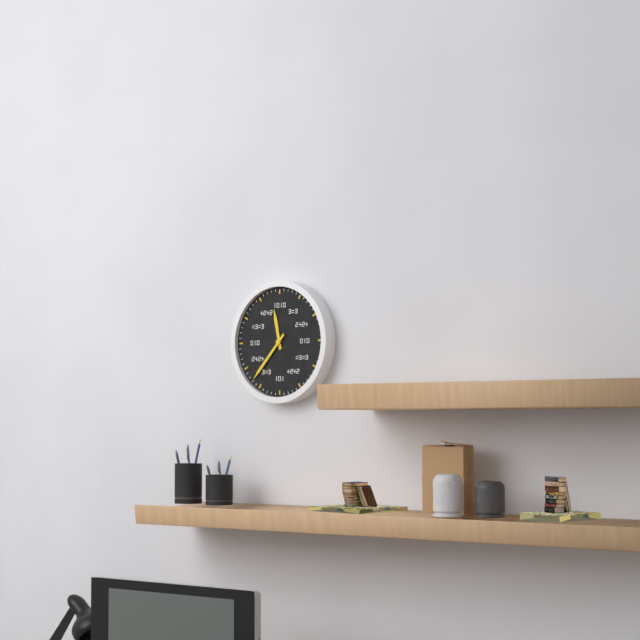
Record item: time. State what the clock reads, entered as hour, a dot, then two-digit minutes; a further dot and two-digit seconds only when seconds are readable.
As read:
11.37
